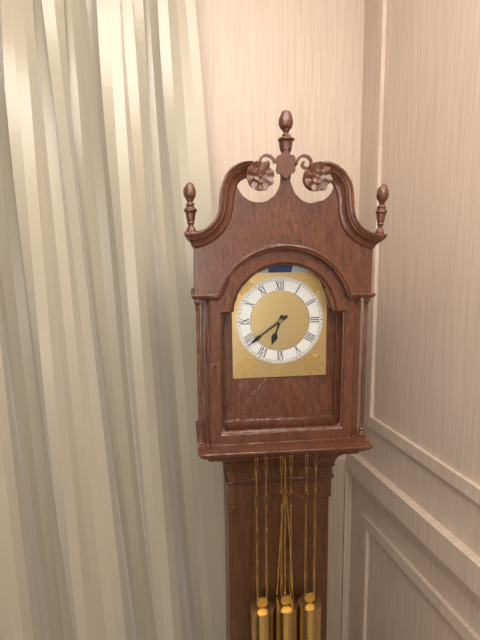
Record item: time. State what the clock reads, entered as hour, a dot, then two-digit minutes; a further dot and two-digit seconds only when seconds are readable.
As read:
6.39
